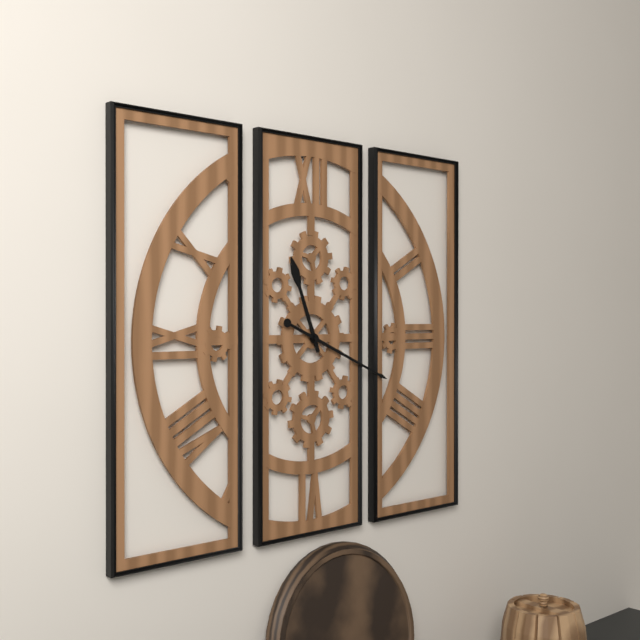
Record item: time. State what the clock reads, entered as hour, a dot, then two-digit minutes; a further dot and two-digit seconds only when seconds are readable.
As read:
11.19
